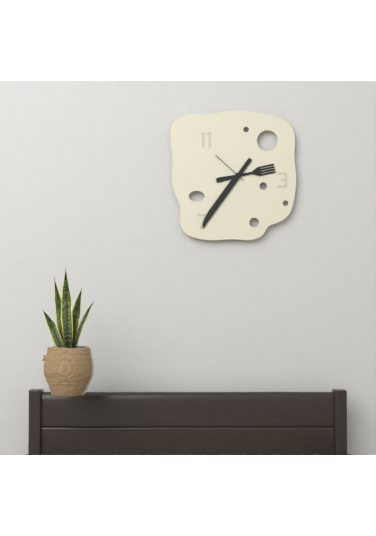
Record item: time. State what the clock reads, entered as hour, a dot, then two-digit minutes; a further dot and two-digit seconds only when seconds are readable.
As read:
2.36
